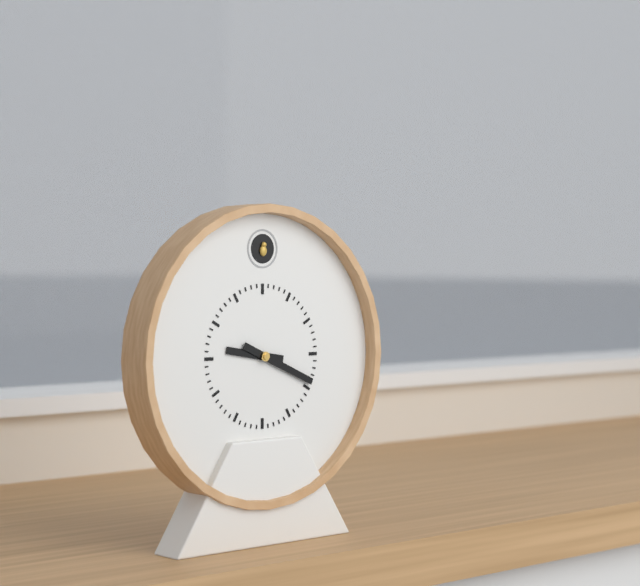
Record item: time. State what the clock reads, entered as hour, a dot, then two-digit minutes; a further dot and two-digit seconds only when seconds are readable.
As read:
9.19
